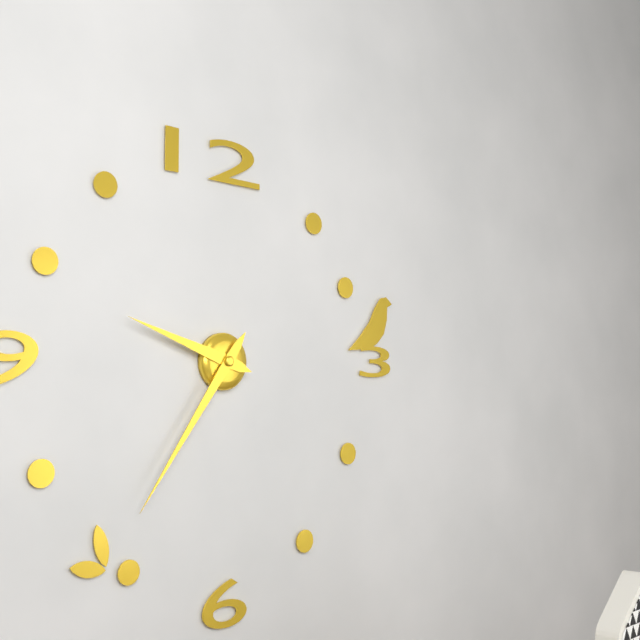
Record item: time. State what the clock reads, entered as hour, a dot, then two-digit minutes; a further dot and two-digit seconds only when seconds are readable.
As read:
9.36
